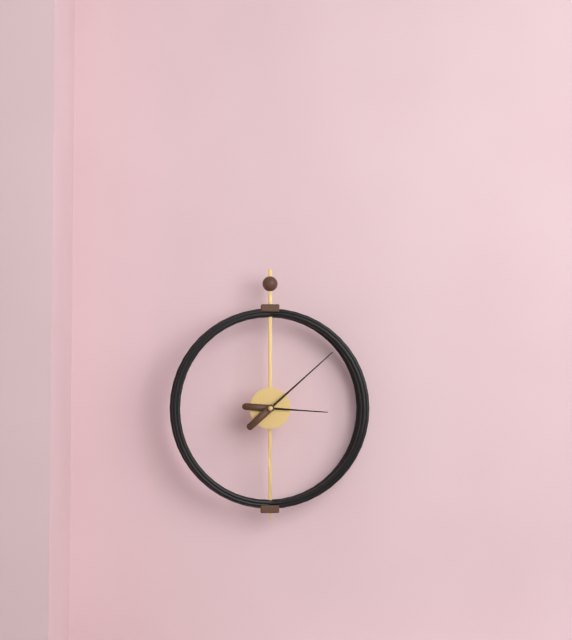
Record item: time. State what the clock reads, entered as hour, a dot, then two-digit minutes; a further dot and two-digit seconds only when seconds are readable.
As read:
3.08
